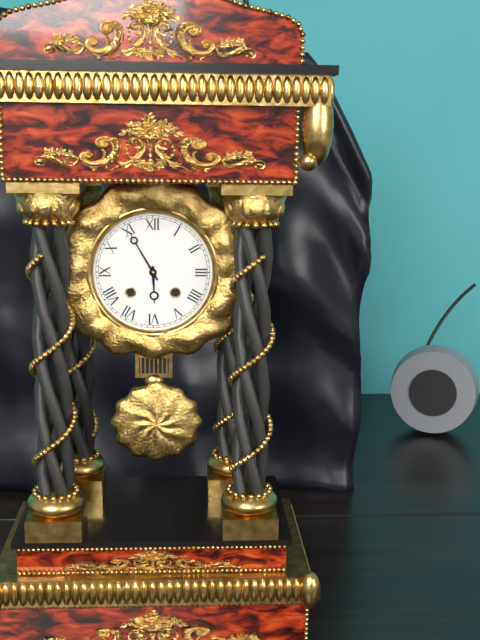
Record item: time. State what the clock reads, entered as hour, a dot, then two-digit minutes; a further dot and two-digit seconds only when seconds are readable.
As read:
5.55
